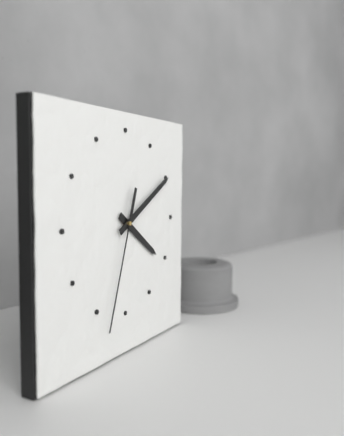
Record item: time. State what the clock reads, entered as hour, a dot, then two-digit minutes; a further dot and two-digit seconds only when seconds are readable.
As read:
4.10.33
